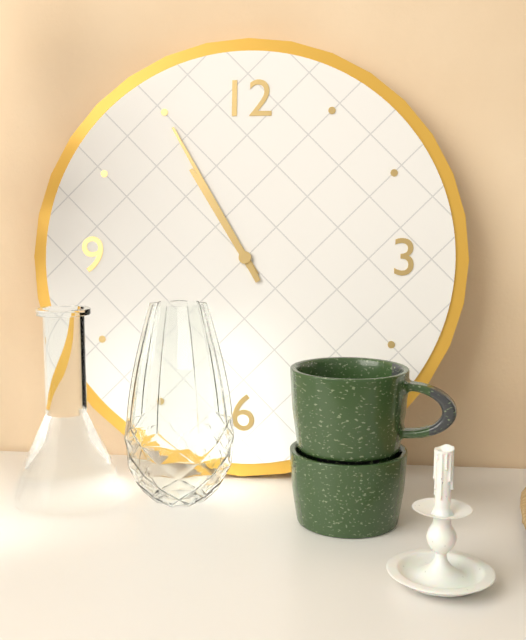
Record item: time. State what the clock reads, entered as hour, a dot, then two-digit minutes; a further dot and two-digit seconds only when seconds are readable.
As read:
10.55
